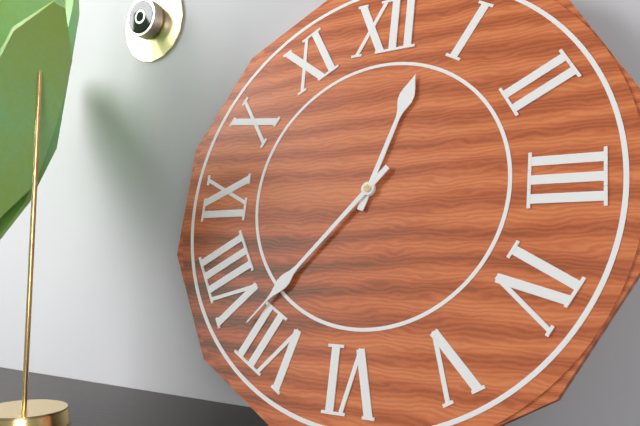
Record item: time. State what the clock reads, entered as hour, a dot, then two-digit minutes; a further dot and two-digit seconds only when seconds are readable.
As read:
12.37
